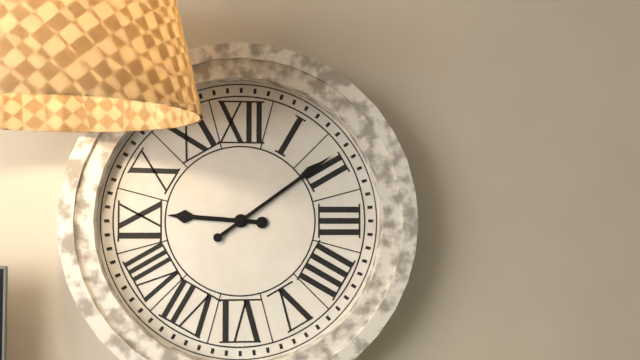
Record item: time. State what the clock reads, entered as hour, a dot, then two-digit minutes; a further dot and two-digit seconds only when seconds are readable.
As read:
9.09
